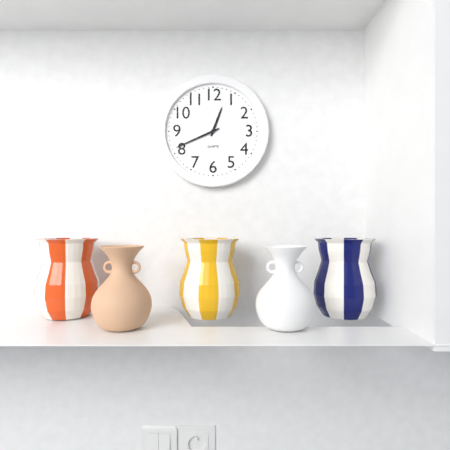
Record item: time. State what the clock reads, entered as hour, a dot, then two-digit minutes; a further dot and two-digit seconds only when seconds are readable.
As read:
12.41
